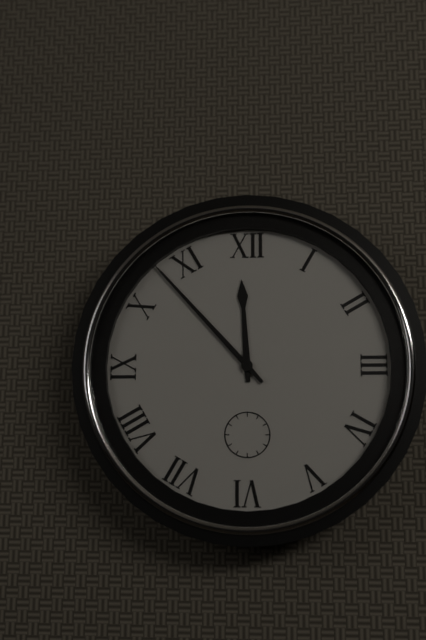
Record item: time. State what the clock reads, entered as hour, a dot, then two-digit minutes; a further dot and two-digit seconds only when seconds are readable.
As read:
11.53
